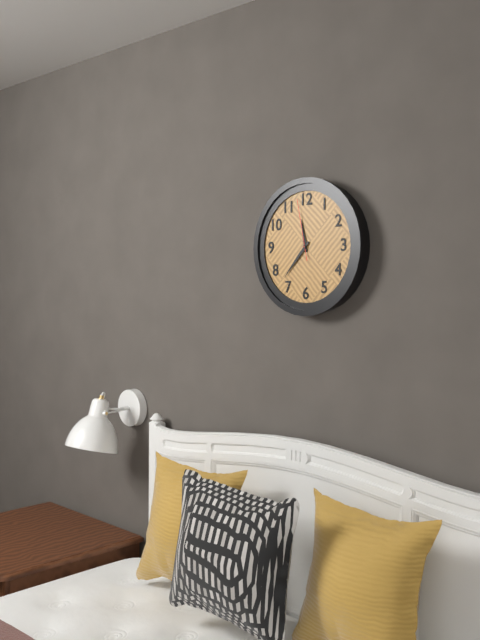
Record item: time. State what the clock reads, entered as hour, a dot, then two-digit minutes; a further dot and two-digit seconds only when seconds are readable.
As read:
11.37.58
